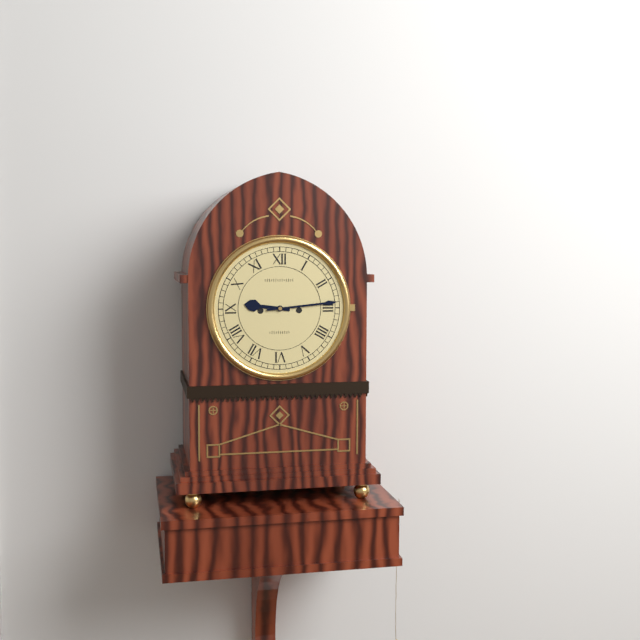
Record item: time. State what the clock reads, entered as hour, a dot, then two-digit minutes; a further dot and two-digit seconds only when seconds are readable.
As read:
9.14
